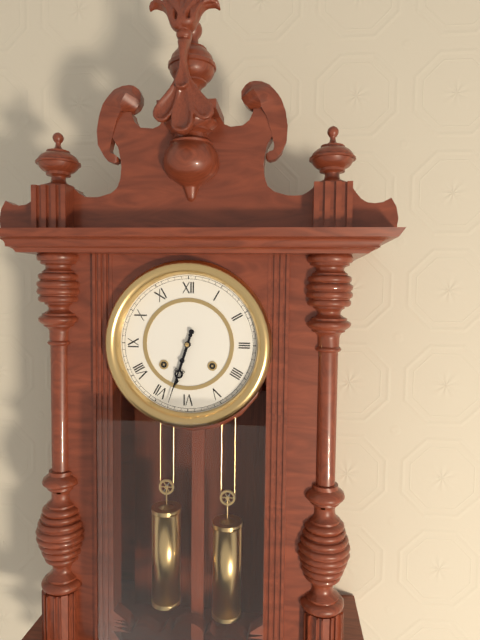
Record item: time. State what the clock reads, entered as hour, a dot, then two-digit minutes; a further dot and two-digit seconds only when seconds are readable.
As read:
6.33
